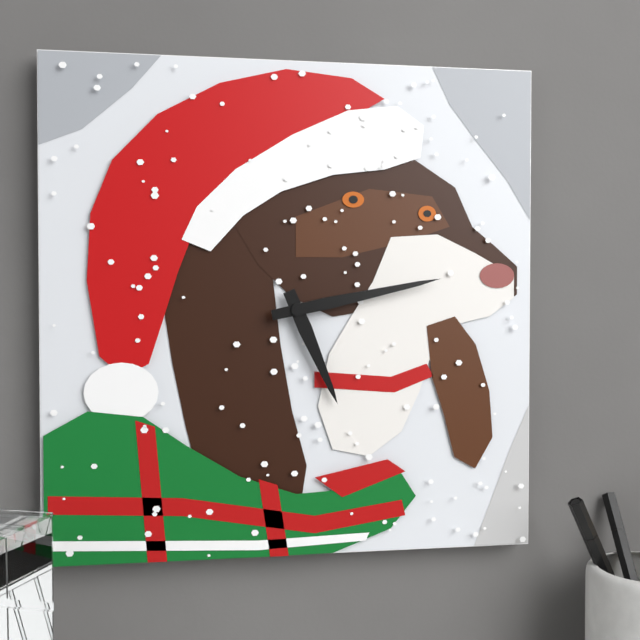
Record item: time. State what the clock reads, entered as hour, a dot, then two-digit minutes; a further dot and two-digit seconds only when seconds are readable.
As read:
5.13
